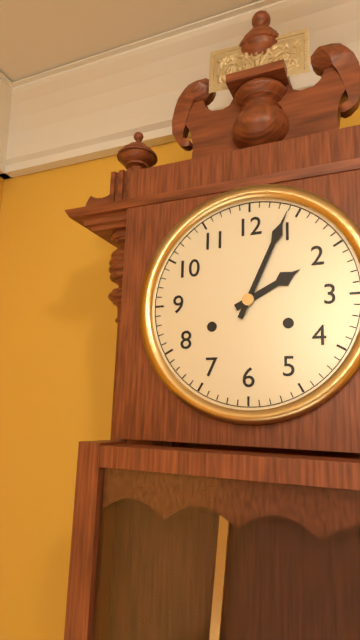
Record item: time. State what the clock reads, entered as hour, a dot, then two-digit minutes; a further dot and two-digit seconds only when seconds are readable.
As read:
2.04
